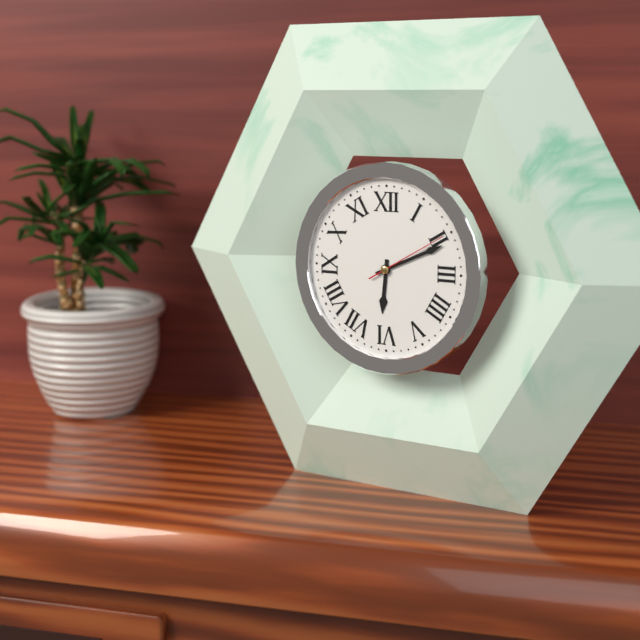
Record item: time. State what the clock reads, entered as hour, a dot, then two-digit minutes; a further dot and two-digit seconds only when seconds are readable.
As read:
6.11.10
